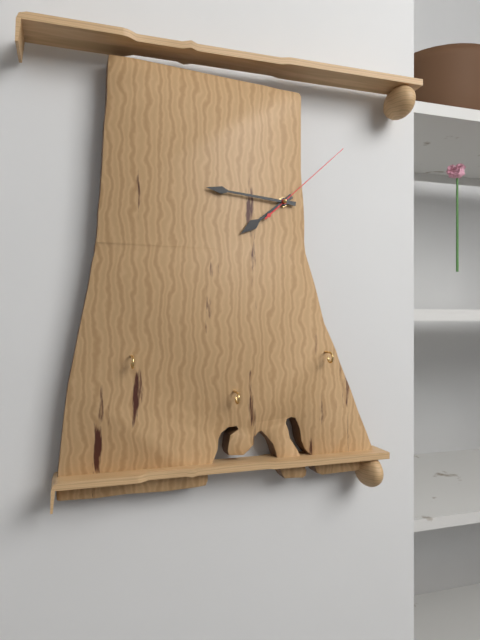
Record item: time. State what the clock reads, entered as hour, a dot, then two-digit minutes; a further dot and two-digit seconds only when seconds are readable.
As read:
7.46.08
